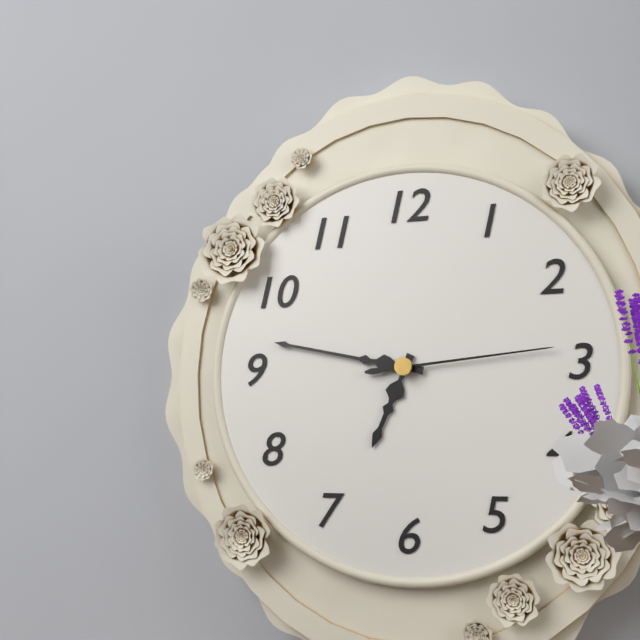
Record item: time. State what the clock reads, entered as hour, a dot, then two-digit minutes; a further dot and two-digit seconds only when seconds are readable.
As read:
6.47.14
